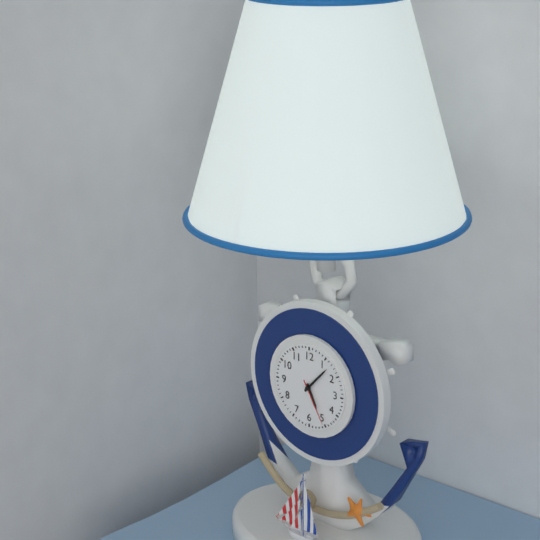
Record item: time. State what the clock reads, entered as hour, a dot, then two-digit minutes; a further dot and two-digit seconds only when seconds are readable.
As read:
5.07
